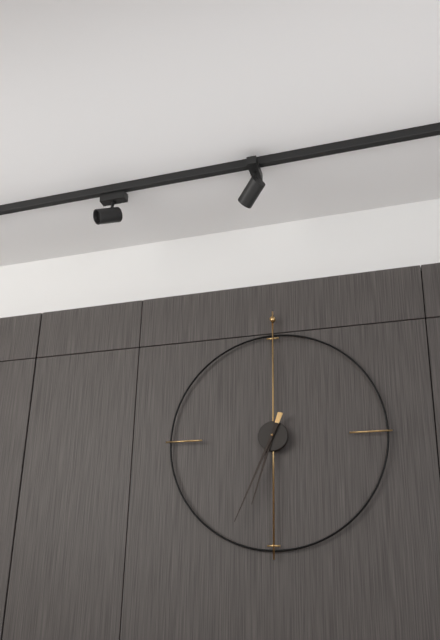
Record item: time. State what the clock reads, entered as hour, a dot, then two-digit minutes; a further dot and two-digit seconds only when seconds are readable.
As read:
6.34
